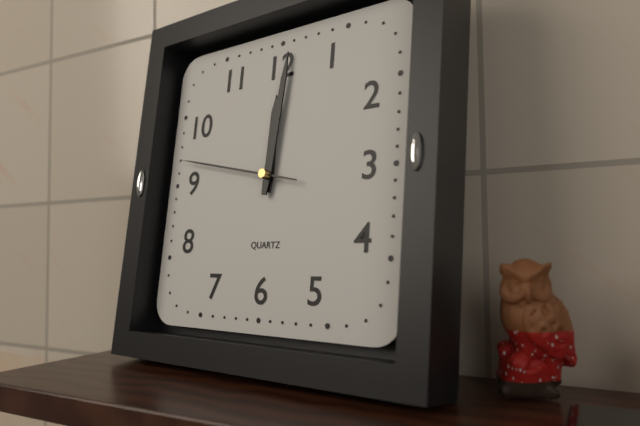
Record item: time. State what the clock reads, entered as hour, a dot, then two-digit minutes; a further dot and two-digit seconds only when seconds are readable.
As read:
12.01.47
